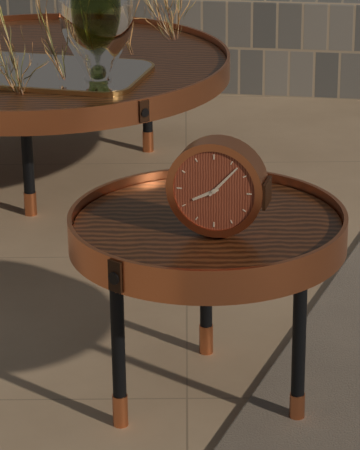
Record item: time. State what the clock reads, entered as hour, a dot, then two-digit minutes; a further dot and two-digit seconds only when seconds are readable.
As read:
8.07
